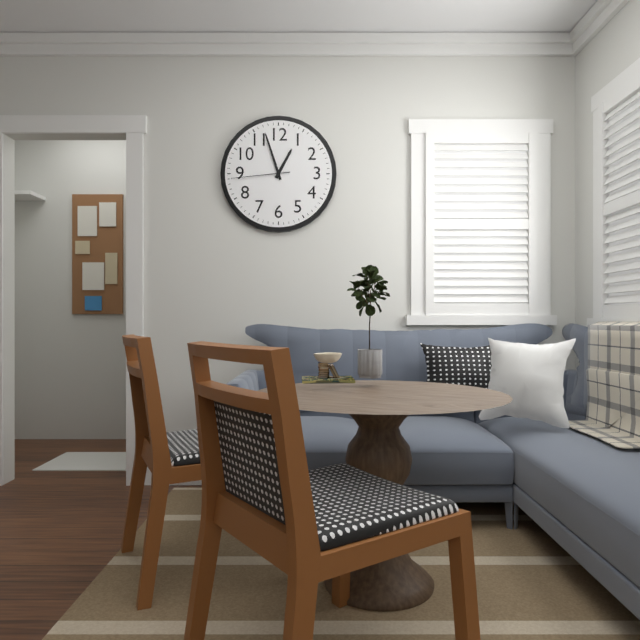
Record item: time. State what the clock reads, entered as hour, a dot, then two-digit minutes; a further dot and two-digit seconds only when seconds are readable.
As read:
12.57.44
